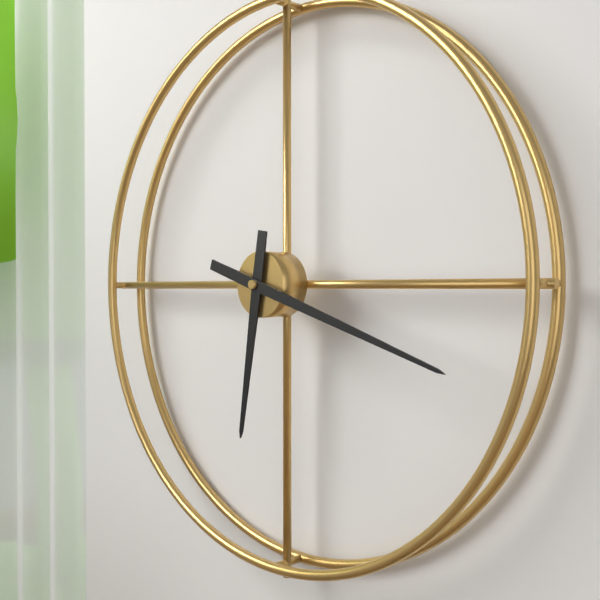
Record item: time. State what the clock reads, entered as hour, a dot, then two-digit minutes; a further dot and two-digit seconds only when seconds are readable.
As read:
6.18
